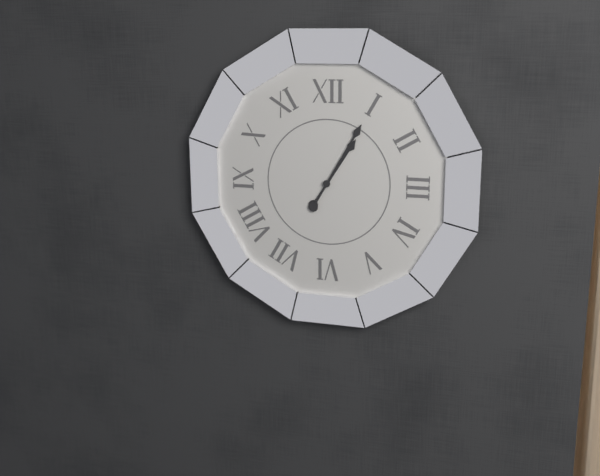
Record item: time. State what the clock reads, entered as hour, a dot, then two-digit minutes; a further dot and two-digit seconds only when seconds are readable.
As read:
1.05
